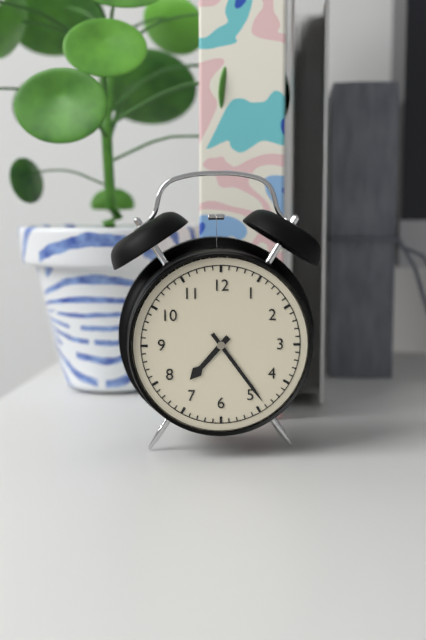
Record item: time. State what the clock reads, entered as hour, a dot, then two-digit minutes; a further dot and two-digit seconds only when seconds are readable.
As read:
7.24
